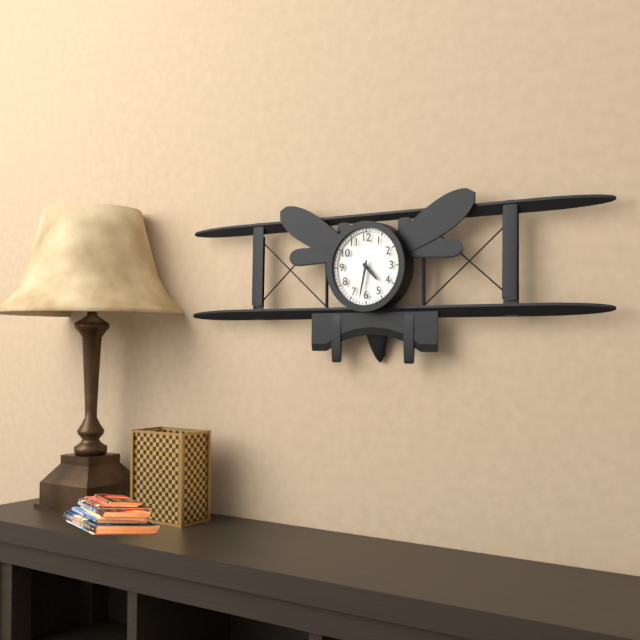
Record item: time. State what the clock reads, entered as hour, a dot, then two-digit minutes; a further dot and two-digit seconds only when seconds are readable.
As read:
4.32
